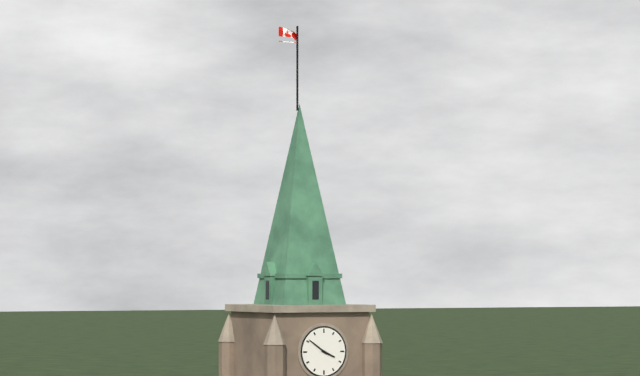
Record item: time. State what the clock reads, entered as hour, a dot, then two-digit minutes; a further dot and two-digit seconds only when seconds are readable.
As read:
3.51
